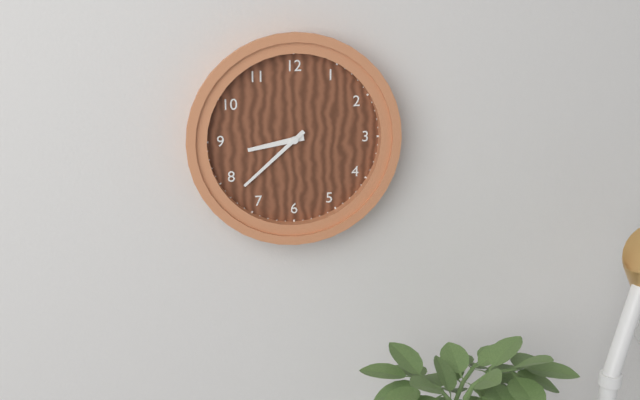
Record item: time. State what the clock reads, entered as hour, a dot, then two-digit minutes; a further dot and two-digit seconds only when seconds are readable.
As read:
8.38
